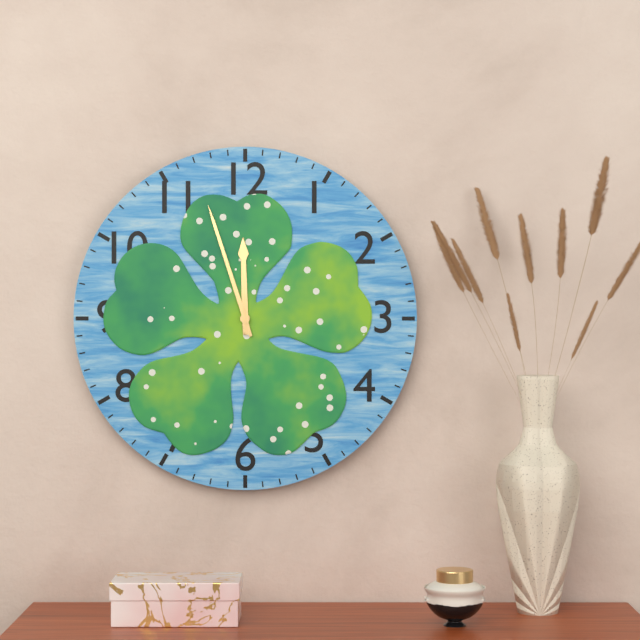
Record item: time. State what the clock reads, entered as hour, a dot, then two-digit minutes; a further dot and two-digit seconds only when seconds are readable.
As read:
11.57
